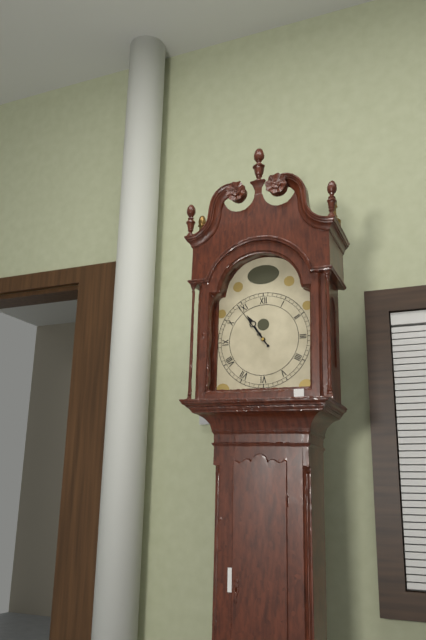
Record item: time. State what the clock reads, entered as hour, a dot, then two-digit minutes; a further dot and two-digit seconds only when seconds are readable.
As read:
10.54
